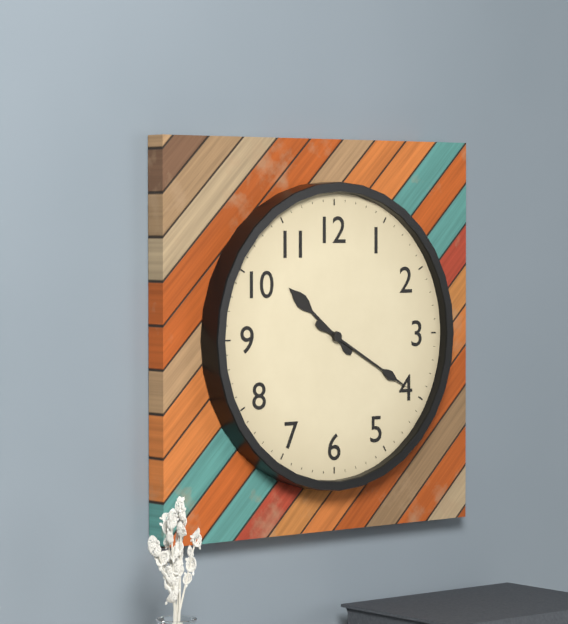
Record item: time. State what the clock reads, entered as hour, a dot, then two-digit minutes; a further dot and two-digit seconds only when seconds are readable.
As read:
10.20
